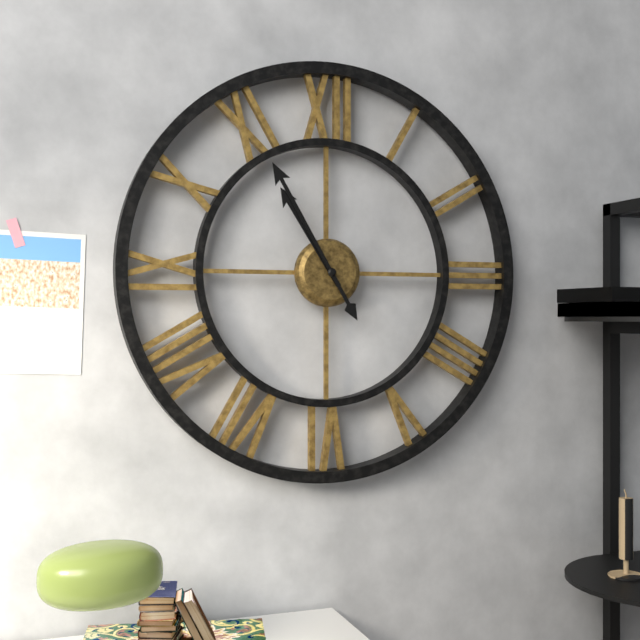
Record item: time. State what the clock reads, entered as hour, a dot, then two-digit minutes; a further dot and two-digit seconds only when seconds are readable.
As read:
10.55
